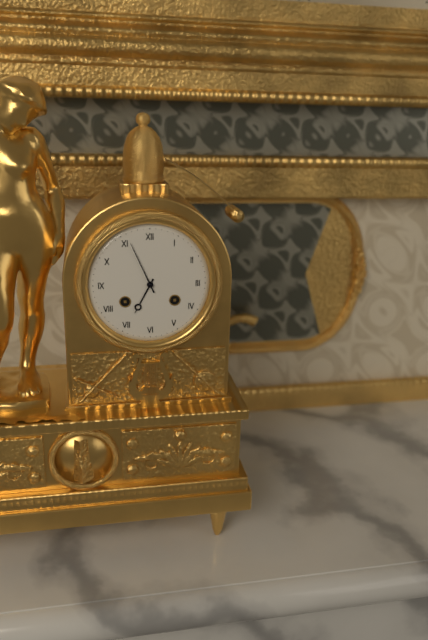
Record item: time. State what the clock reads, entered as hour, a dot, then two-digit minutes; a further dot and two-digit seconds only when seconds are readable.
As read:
6.56
